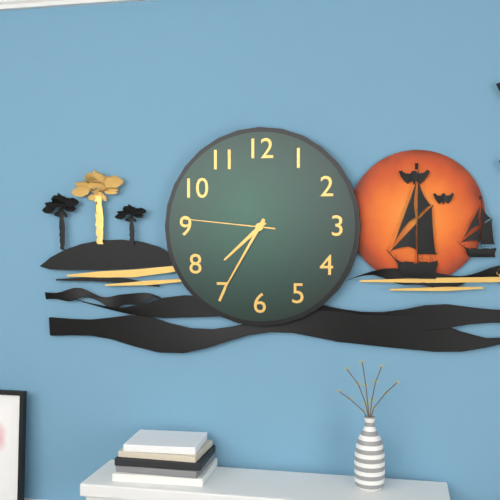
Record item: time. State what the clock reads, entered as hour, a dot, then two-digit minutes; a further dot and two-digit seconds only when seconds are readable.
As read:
7.35.46
